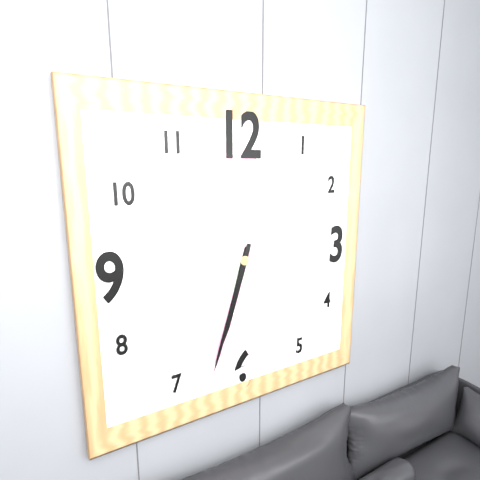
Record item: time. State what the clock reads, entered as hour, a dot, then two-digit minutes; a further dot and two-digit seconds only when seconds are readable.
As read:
6.33
